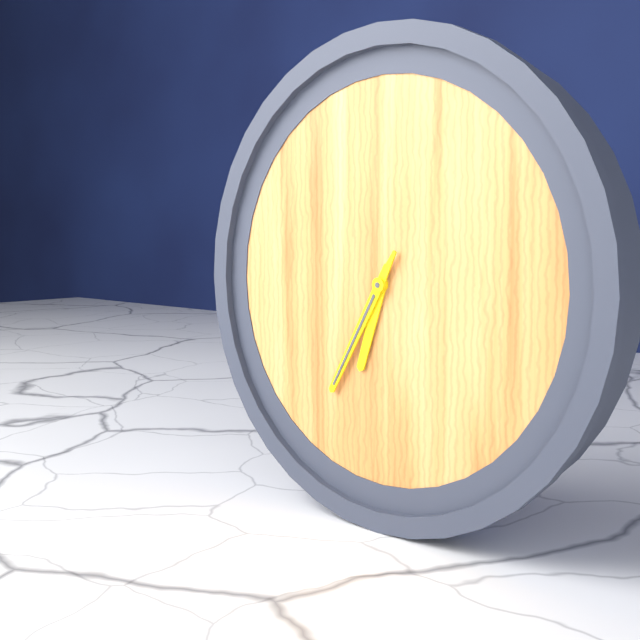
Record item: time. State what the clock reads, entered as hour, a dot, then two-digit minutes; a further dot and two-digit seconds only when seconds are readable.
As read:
6.35
